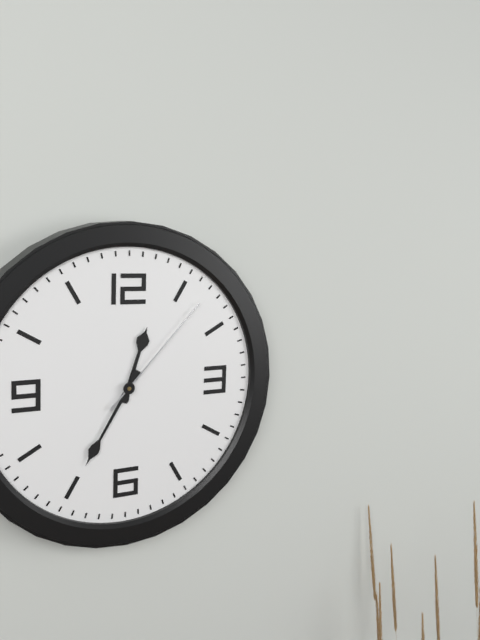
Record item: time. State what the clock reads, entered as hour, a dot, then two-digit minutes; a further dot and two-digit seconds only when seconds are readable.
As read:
12.35.07
